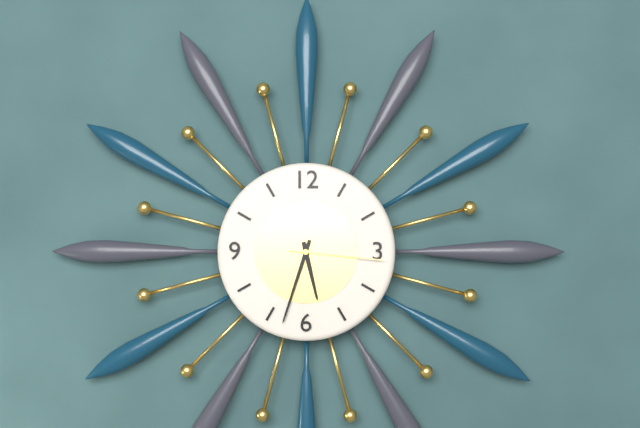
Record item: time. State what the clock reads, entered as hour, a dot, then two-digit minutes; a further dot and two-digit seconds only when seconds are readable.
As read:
5.33.16
